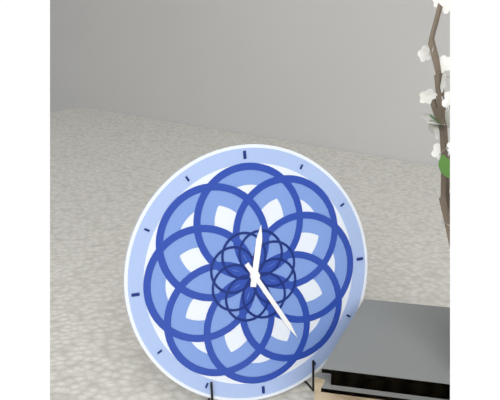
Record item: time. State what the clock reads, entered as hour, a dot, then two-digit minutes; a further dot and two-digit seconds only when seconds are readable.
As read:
12.25
